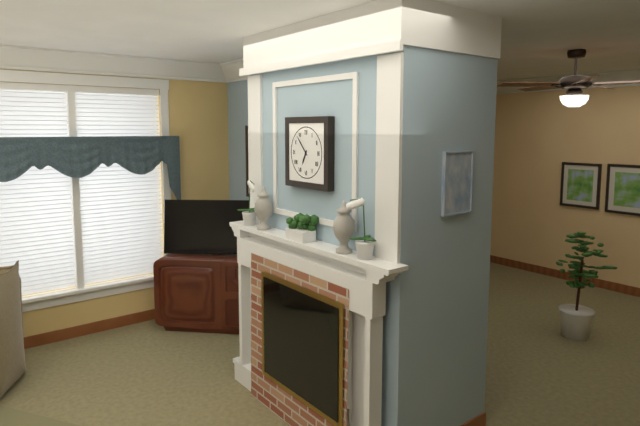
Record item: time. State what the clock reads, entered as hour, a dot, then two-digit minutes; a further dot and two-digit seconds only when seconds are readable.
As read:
6.53
